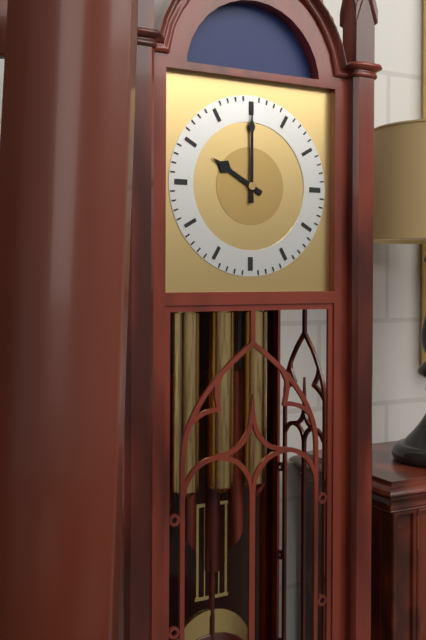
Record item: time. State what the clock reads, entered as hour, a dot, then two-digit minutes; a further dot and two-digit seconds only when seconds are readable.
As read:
10.00
